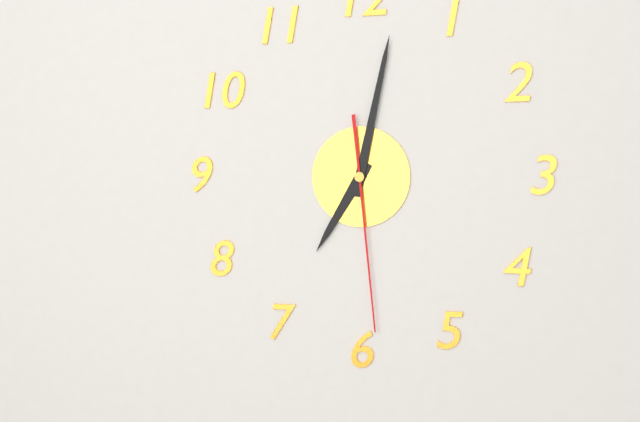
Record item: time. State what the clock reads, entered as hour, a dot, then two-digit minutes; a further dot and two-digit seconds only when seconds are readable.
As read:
7.02.29
